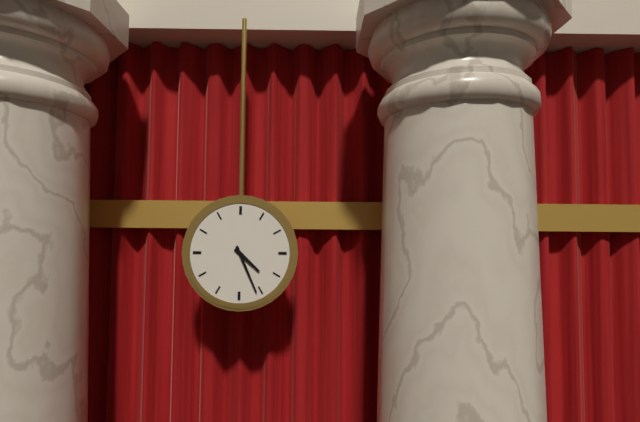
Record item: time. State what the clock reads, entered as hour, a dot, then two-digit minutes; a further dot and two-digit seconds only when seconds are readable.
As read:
4.26
